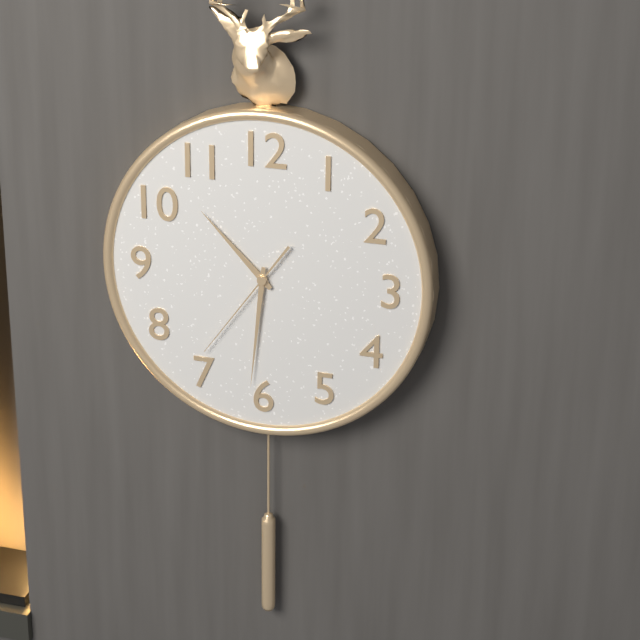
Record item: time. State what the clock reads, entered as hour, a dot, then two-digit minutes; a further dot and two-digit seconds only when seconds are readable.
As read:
10.31.36
